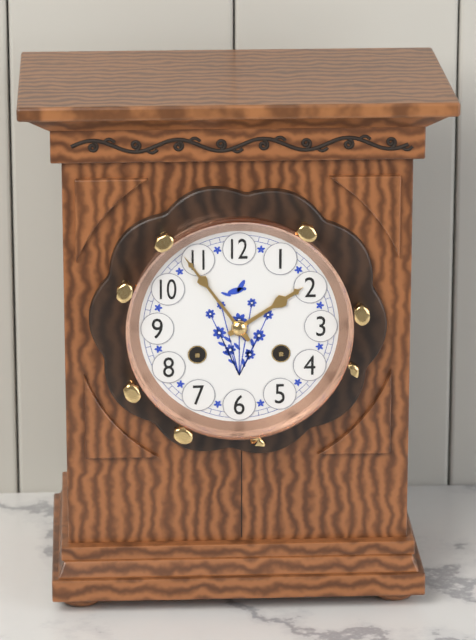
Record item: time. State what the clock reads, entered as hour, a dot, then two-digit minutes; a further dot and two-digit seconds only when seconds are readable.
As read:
1.54
